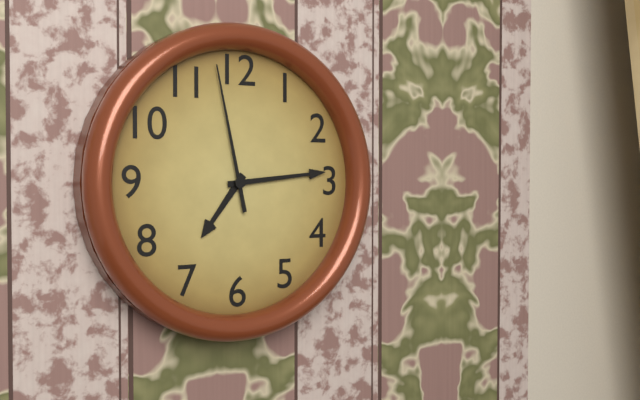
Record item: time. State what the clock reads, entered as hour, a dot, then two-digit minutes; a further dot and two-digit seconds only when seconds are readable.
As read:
7.14.58
